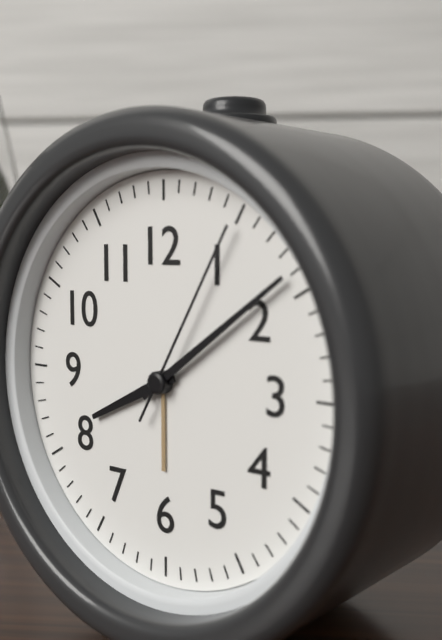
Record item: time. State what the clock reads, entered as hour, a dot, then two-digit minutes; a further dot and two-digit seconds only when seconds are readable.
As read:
8.09.05
